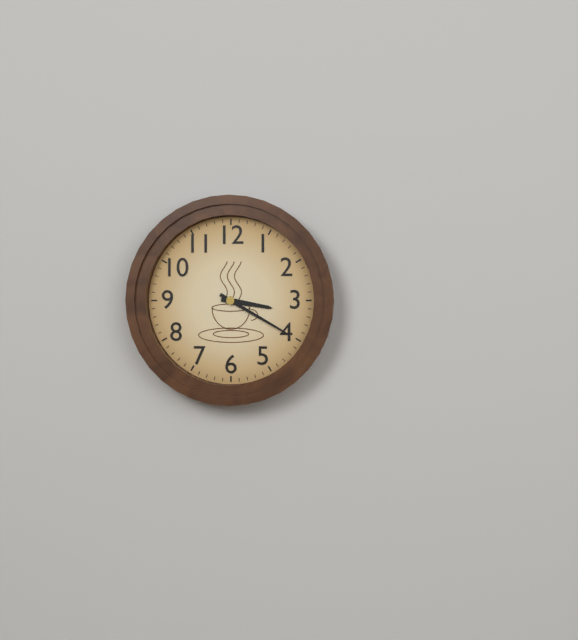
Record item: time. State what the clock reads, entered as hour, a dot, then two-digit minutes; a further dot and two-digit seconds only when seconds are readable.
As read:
3.20
